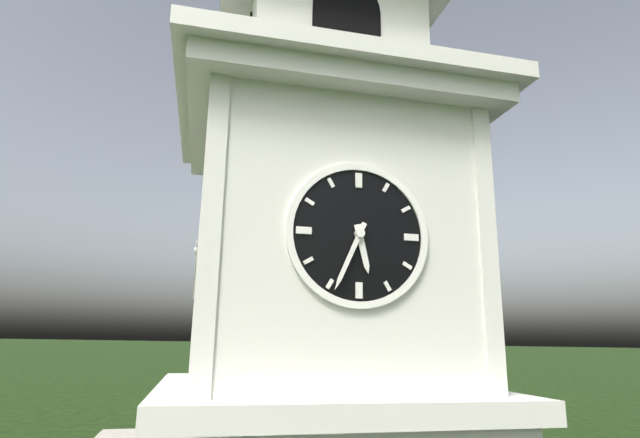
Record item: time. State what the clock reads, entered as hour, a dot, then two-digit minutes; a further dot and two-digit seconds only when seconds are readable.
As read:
5.34
